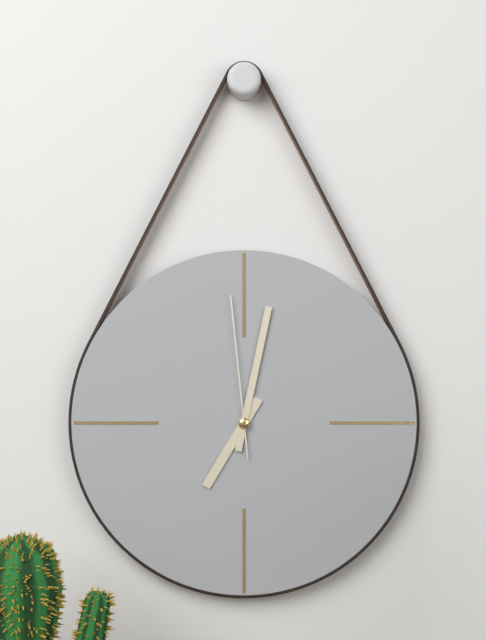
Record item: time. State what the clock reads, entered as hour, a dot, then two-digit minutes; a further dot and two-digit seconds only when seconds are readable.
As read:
7.02.59
